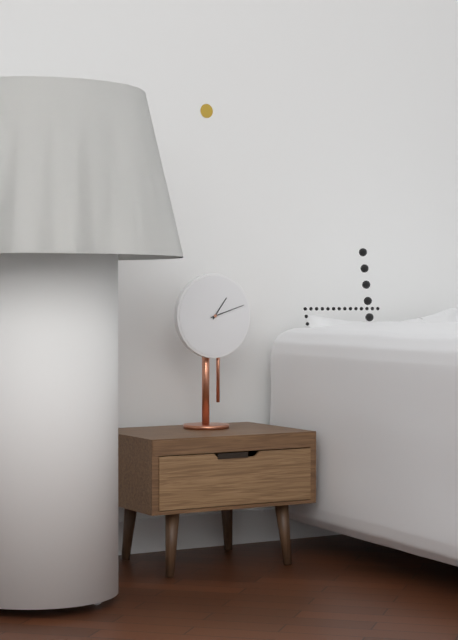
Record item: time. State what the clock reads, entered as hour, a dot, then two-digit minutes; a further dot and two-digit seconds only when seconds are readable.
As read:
1.12
